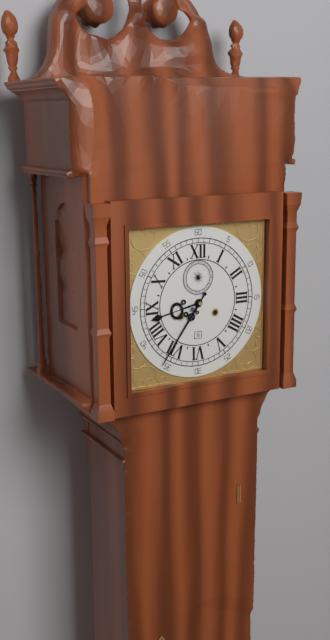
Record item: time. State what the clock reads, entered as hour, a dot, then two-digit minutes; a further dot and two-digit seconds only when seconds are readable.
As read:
8.36
